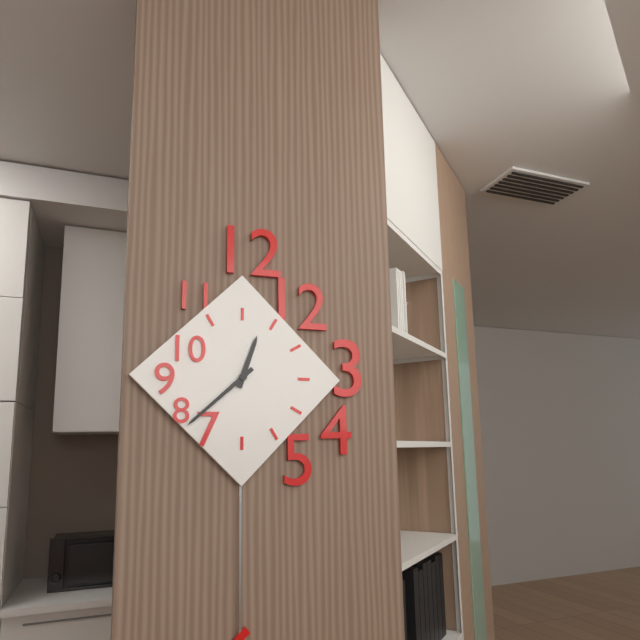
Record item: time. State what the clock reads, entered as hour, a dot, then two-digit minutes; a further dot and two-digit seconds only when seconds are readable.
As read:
12.38
